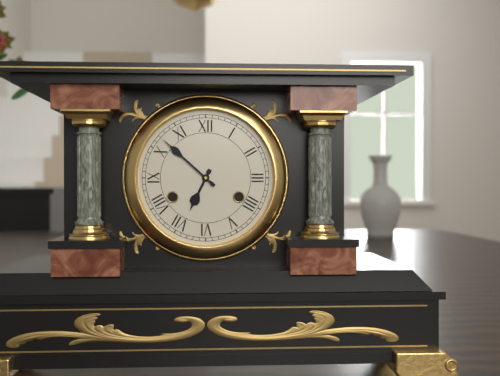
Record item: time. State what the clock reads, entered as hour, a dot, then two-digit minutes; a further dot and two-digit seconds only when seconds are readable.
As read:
6.52
